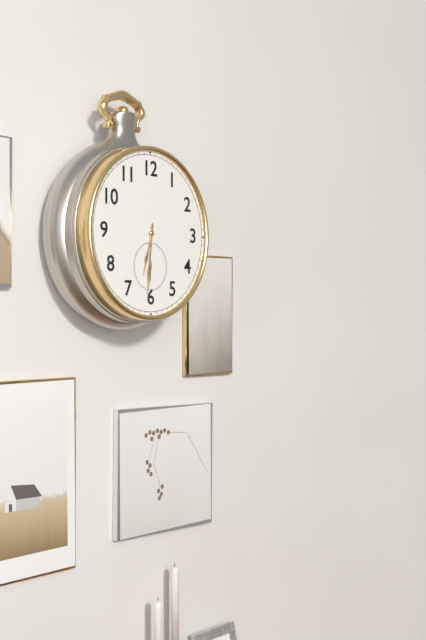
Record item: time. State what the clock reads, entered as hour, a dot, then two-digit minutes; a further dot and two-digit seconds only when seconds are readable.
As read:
6.31
